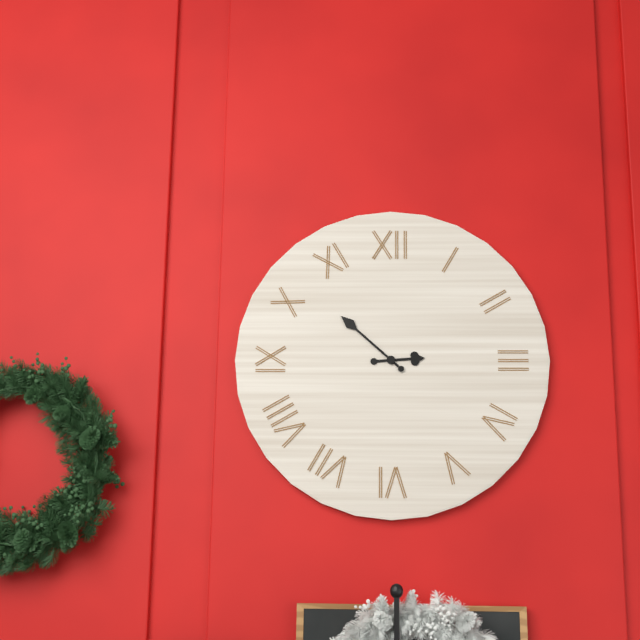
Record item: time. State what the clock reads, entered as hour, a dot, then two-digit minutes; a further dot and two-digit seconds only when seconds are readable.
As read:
2.52
